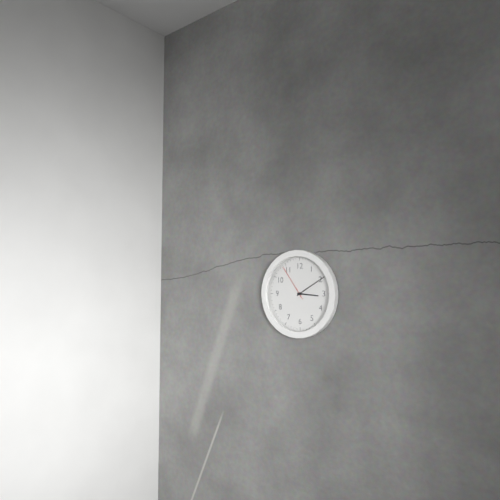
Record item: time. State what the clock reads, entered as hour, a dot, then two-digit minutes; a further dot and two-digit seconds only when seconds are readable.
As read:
3.10
